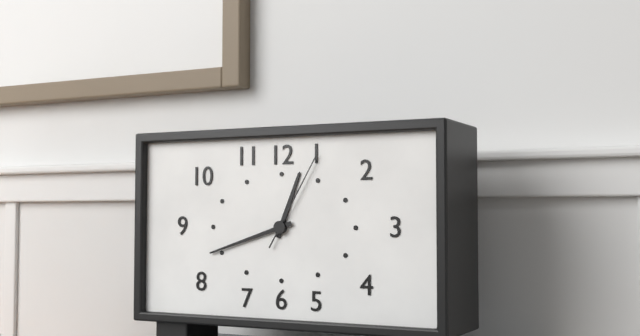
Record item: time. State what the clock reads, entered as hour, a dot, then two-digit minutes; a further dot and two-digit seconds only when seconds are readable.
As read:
12.42.05
